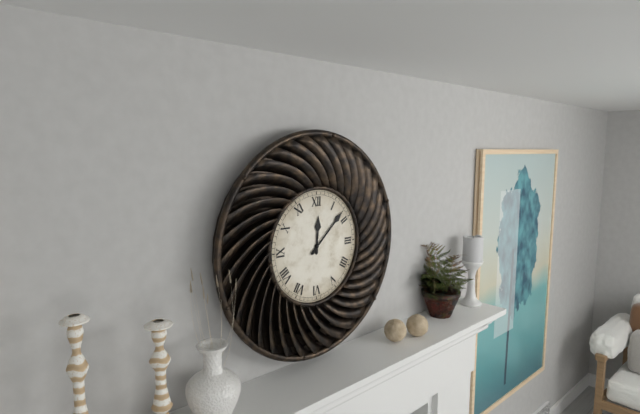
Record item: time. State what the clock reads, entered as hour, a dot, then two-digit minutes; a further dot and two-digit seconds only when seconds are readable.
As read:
12.08
